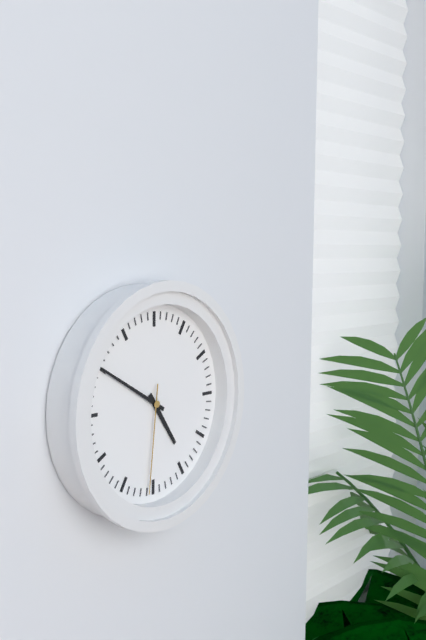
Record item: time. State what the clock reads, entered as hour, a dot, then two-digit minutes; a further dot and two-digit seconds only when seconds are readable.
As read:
4.50.31
